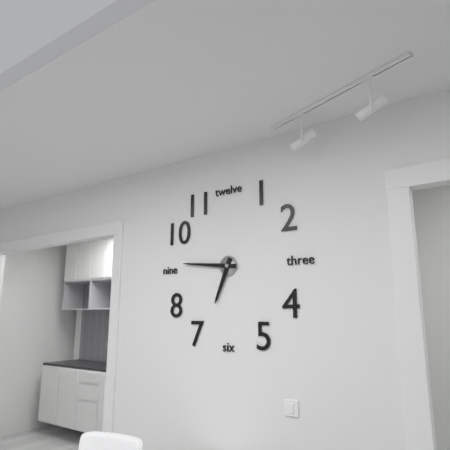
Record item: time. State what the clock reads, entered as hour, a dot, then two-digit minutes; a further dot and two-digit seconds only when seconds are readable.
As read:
6.46
